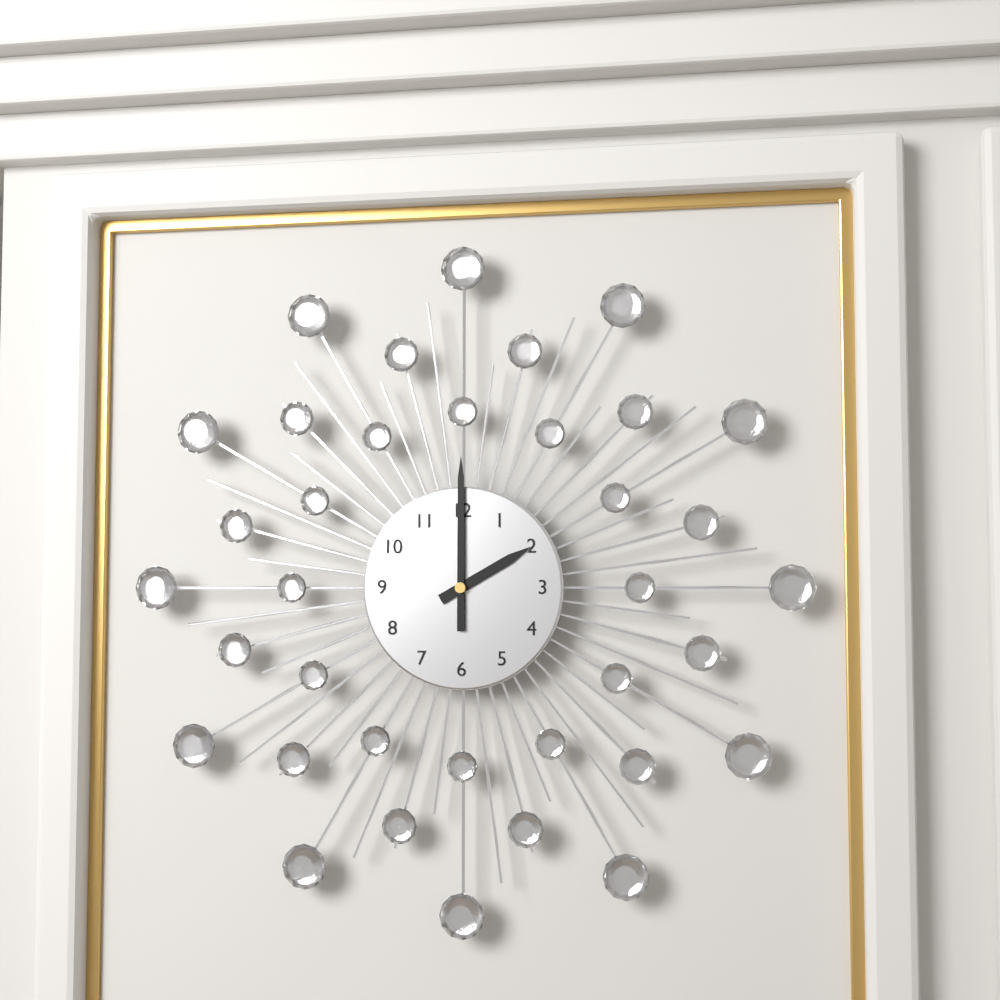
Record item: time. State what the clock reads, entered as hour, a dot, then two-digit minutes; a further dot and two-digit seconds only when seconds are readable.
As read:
2.00
